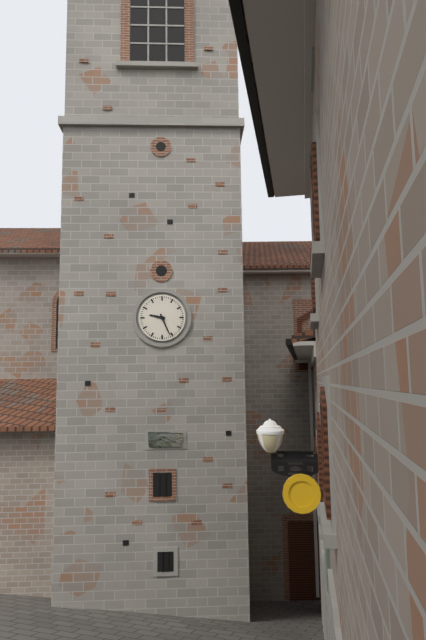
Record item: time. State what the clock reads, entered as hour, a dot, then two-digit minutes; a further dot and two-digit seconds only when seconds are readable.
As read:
9.26
